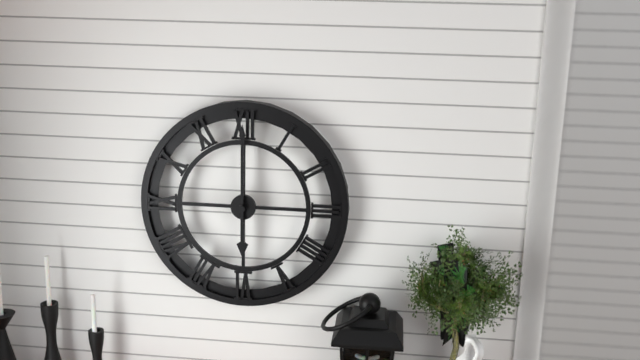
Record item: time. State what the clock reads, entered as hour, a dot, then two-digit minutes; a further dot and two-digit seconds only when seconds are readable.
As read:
6.00
